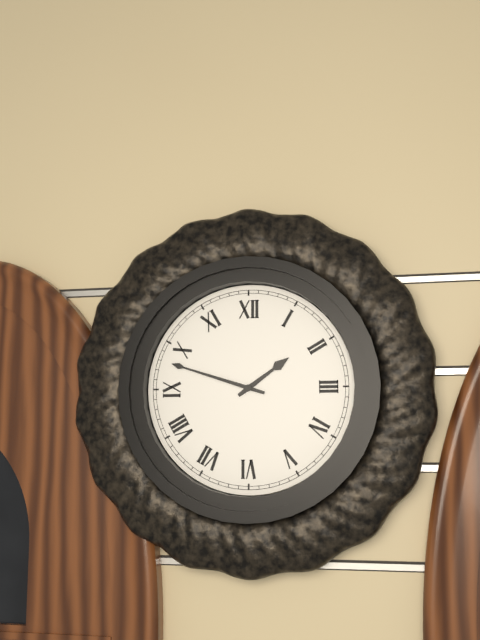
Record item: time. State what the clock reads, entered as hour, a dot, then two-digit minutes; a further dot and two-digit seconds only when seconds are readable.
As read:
1.48
